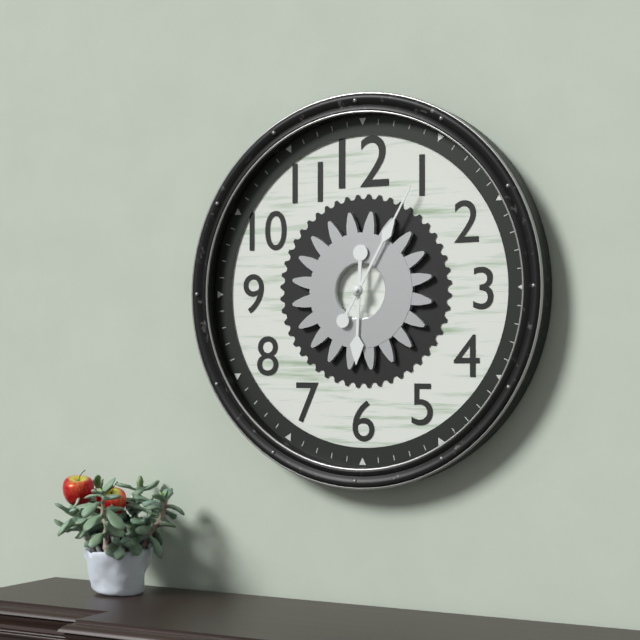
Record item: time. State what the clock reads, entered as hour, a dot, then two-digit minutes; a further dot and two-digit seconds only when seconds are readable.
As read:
6.05
